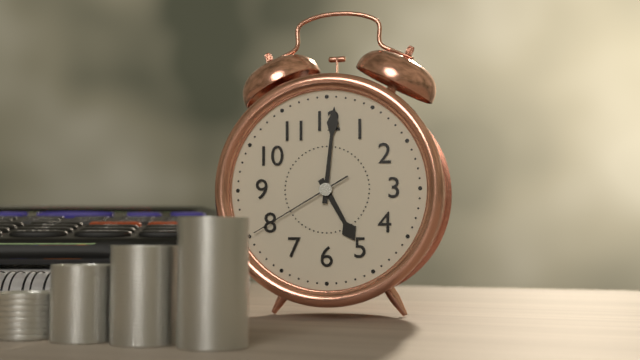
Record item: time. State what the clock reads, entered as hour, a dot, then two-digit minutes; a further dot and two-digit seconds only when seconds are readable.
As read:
5.01.40
